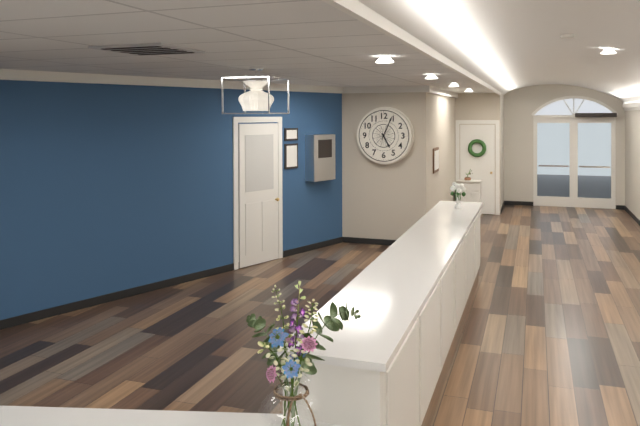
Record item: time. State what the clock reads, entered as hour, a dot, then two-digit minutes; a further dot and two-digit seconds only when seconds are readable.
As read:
5.04
